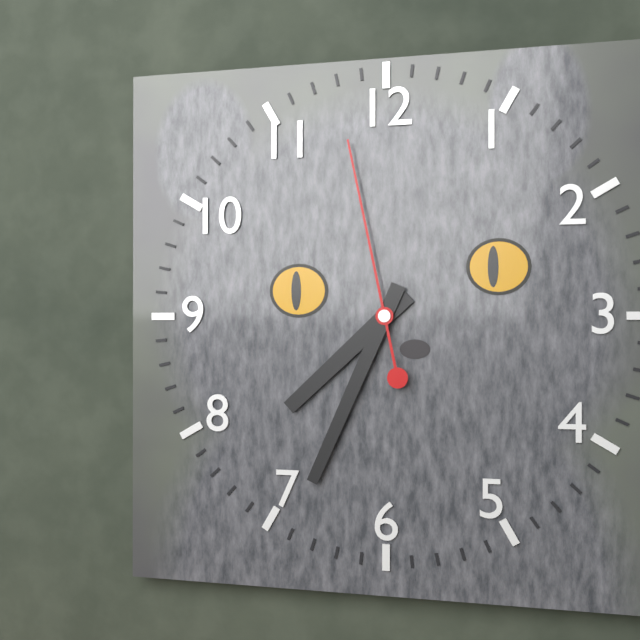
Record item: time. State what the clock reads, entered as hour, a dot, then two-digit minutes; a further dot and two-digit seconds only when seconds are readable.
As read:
7.34.58
